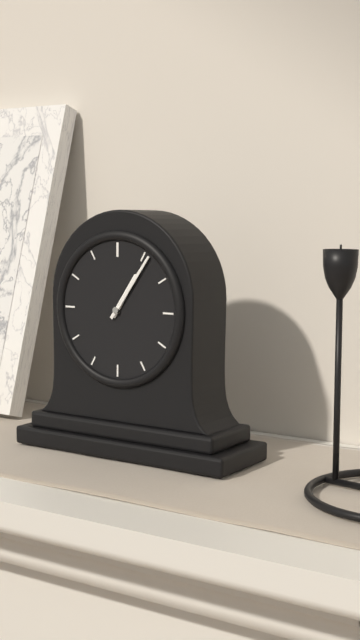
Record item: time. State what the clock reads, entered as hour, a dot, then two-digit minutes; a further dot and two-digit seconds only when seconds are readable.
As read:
1.06
